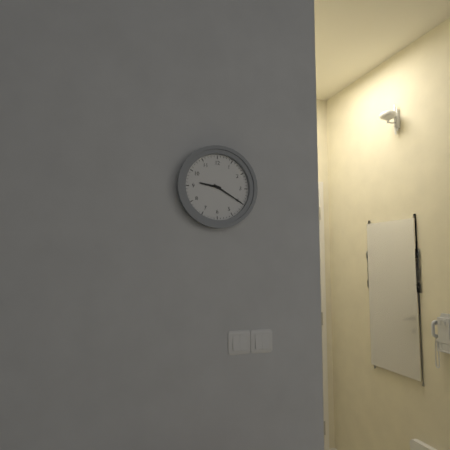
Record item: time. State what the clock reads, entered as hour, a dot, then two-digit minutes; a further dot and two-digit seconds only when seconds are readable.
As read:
9.20
